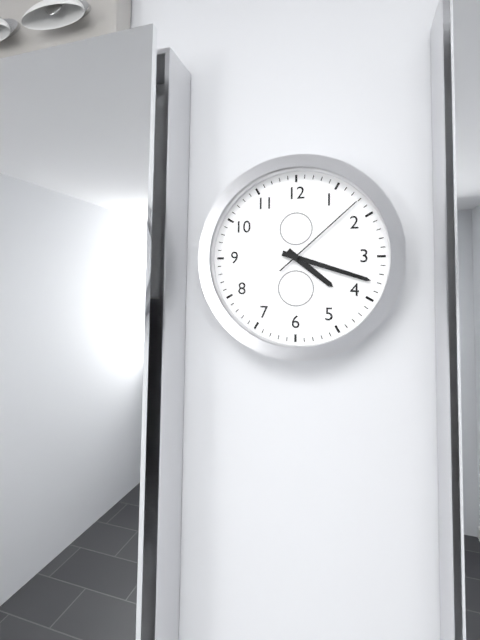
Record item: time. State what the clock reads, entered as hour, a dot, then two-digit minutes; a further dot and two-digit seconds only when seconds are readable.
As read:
4.18.08
